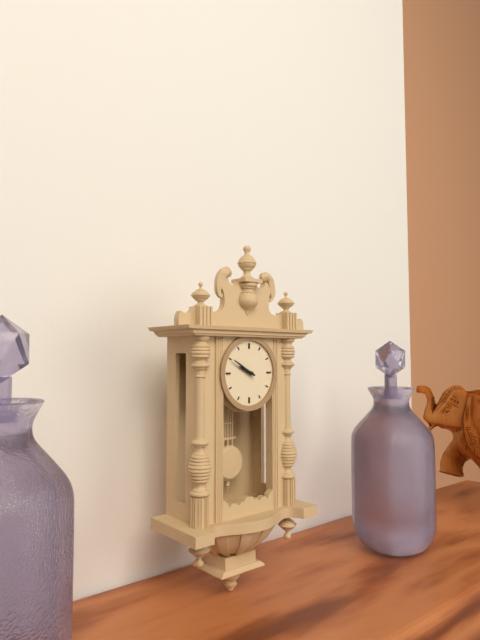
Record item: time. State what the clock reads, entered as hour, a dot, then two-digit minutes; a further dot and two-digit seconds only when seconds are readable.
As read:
9.50
